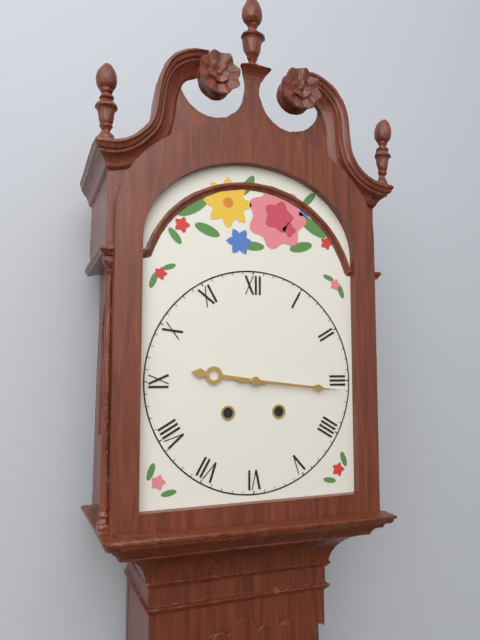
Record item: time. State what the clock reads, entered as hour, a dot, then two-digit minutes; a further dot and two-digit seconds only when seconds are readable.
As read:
9.16
